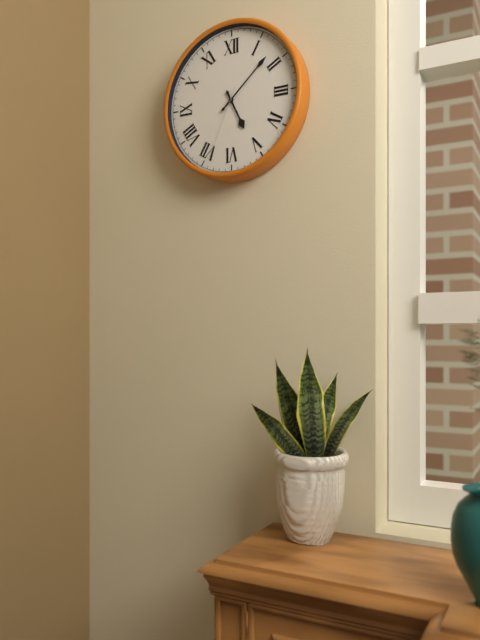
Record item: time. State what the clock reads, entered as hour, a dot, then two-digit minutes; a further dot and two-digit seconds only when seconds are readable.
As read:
5.08.34
